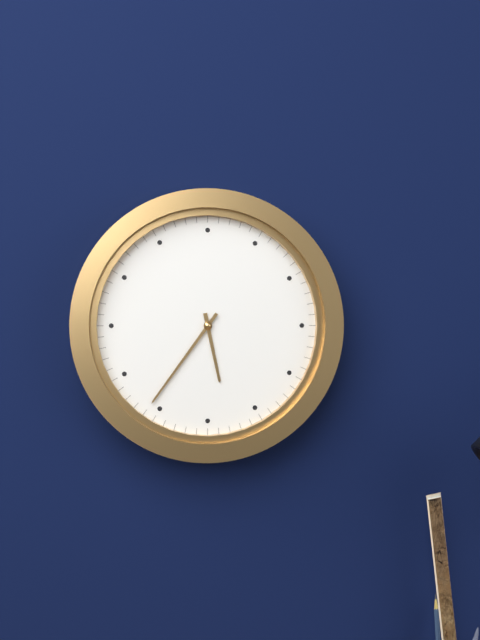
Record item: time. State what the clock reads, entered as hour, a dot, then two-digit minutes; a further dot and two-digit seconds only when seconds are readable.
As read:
5.36
